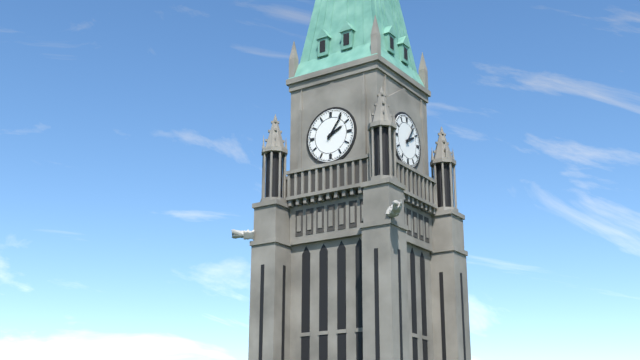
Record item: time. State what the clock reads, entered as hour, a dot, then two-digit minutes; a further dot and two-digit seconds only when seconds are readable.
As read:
2.06
